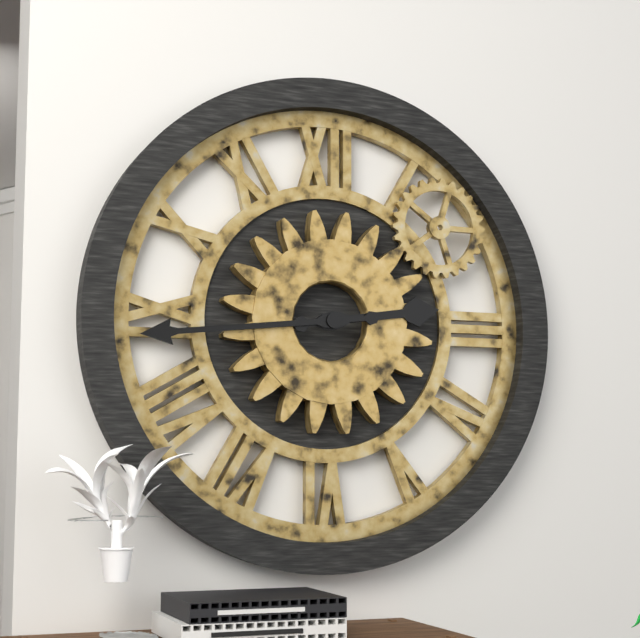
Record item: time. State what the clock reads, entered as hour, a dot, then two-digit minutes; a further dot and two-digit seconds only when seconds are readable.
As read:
2.44
